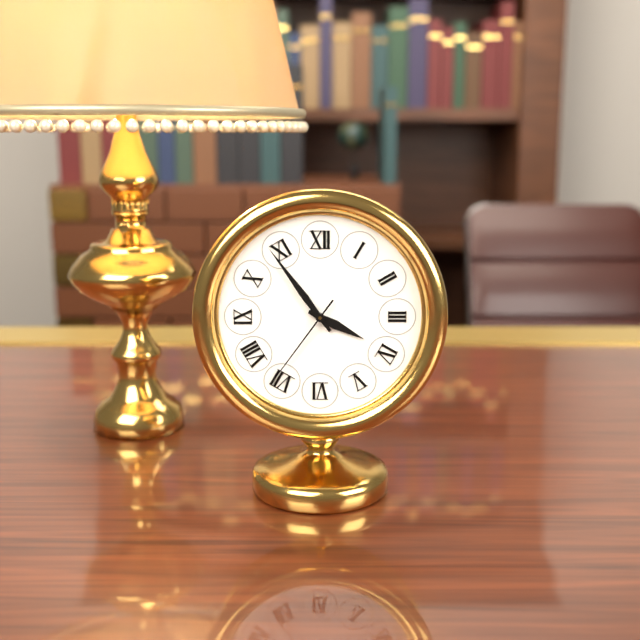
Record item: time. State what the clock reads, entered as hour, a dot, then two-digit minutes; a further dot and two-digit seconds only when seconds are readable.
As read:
3.54.36
